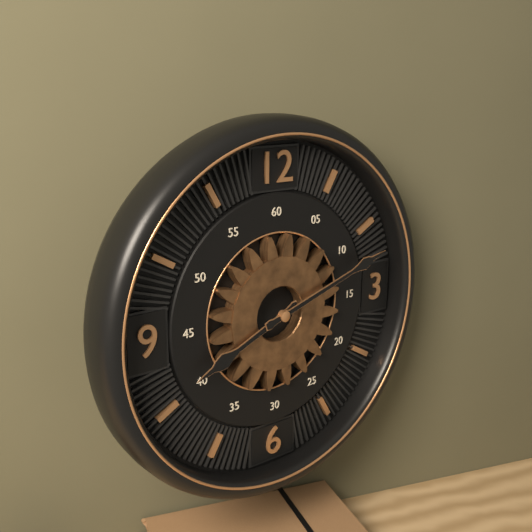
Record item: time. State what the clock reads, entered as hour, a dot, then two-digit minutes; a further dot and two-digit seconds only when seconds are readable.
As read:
8.12
